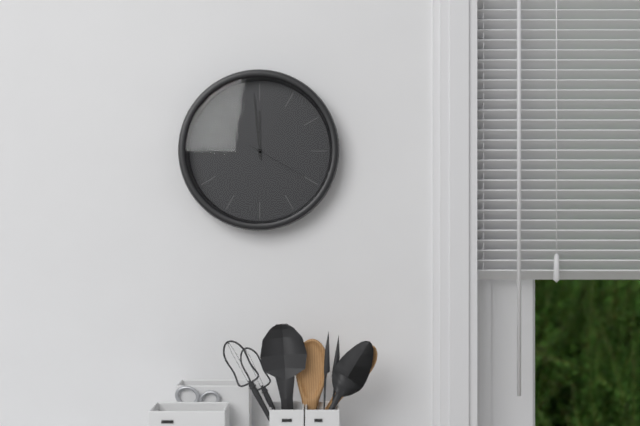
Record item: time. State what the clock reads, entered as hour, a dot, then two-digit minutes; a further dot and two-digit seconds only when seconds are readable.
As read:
11.59.20
